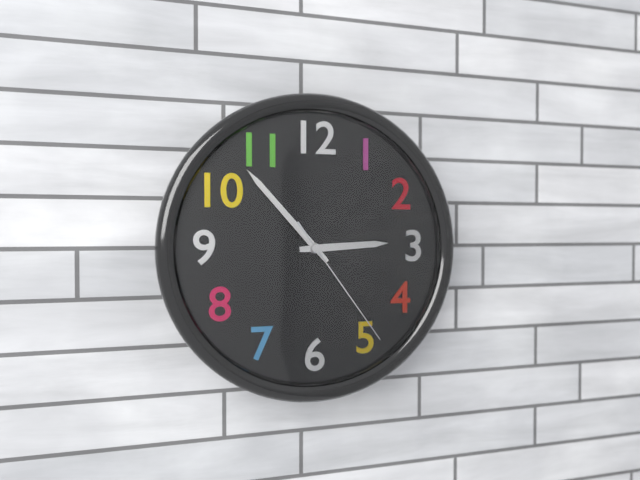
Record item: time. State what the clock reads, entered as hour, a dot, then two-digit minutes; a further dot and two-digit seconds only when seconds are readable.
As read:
2.53.24
